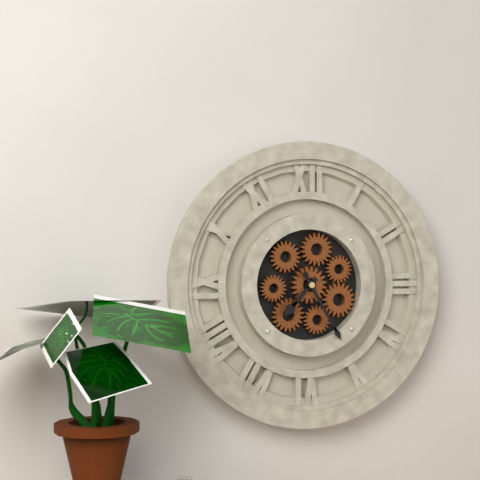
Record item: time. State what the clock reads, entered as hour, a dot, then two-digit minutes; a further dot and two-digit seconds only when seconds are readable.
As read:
7.25
